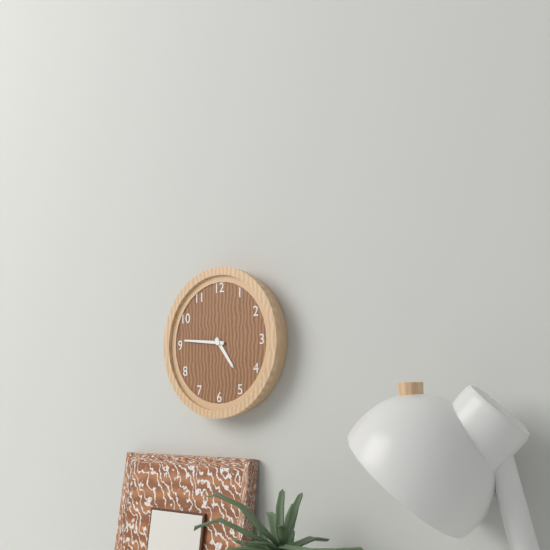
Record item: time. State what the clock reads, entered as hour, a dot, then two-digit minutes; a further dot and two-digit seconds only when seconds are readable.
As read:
4.46
